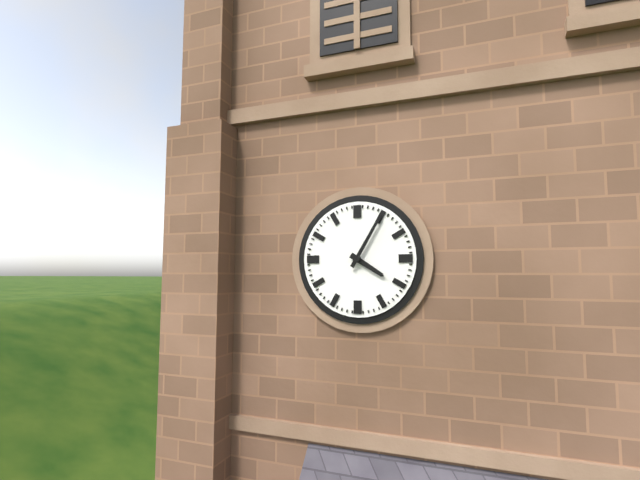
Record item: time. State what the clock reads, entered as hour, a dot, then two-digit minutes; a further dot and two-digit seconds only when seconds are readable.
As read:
4.05
